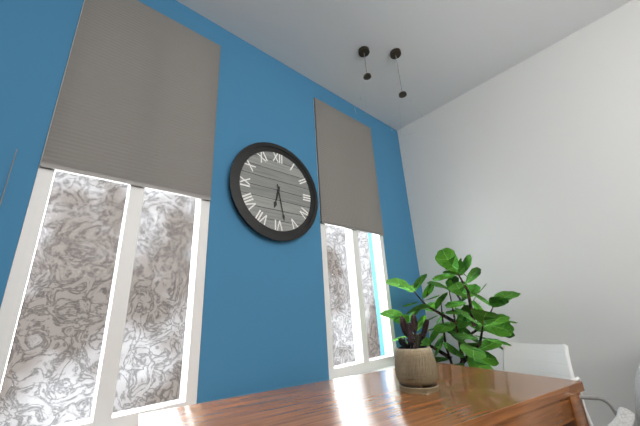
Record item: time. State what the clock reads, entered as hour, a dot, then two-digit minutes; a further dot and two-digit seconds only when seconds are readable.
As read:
6.28
